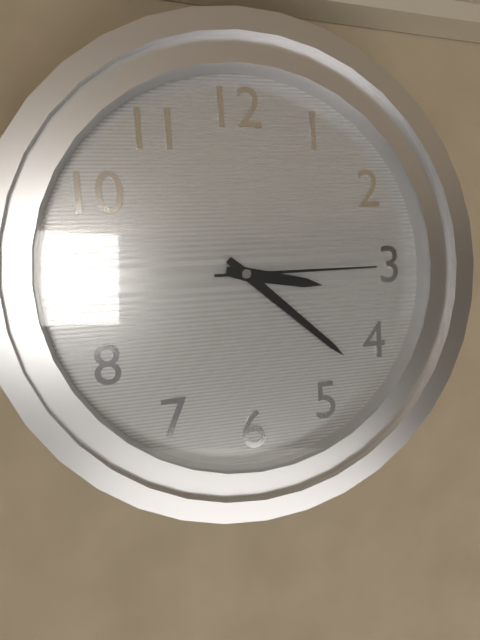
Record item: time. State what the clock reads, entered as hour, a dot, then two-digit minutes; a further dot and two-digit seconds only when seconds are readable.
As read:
3.22.15
